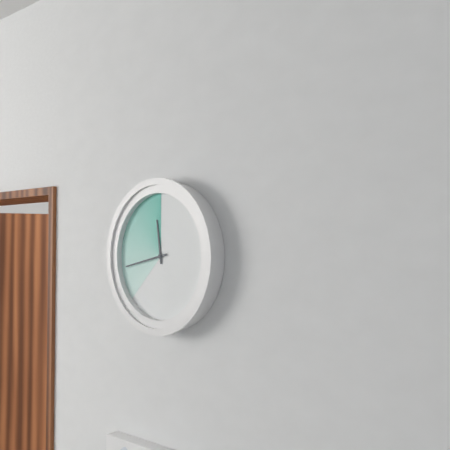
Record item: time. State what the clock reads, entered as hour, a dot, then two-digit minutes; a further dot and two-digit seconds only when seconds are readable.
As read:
11.43
